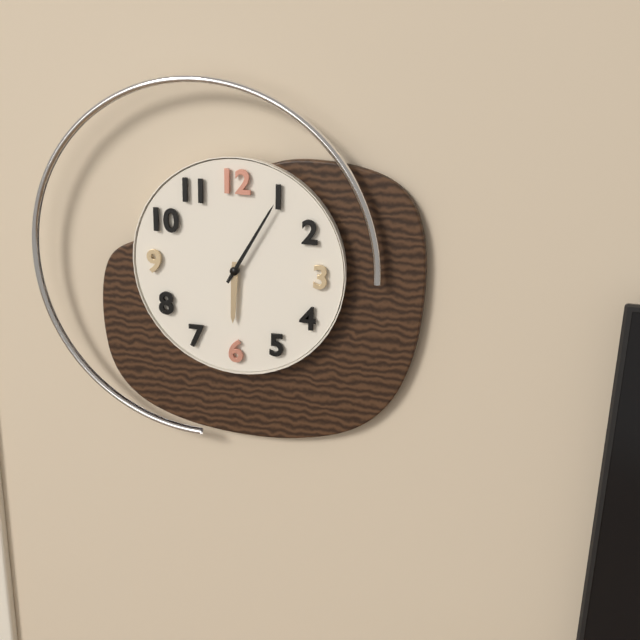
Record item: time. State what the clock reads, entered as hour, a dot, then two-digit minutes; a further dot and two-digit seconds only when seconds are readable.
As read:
6.05
